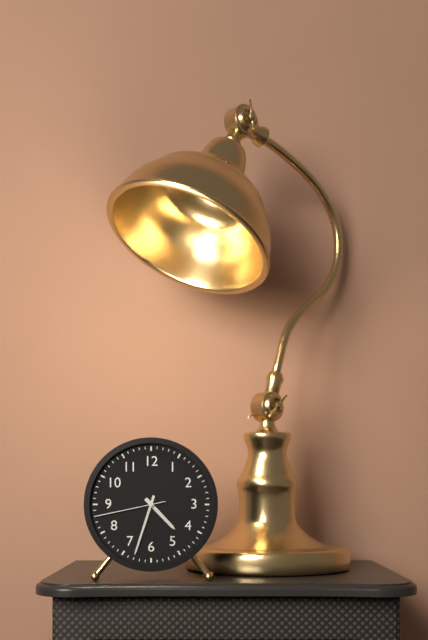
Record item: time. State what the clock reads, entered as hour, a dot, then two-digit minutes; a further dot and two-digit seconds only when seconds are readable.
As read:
4.33.43
